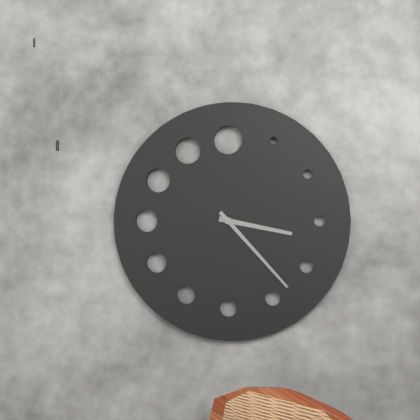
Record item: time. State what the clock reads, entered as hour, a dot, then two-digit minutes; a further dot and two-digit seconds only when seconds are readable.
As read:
3.23
